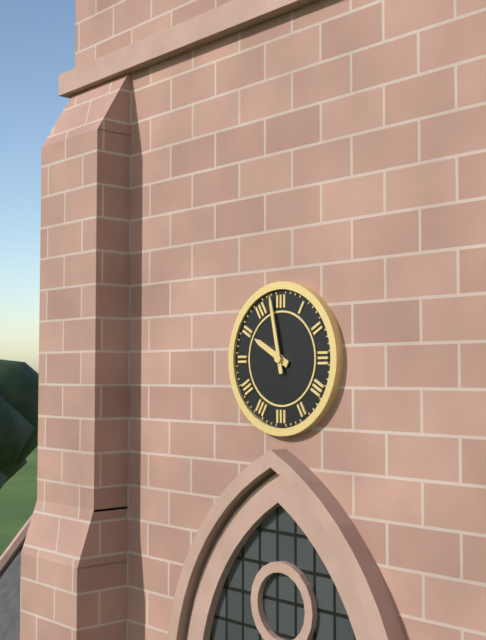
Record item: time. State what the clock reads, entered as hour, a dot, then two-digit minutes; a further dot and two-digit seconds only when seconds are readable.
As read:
9.58
